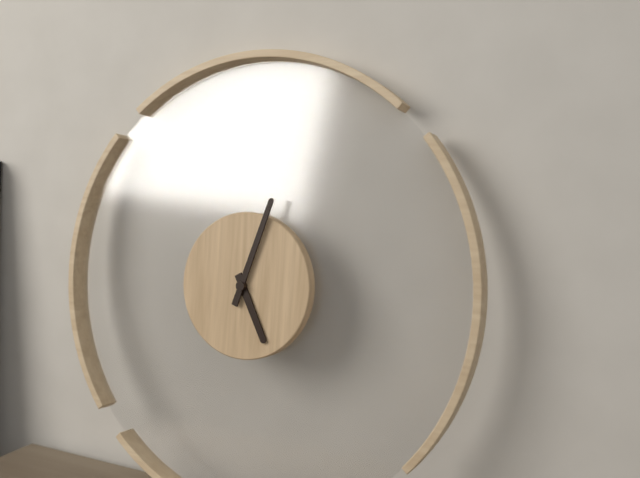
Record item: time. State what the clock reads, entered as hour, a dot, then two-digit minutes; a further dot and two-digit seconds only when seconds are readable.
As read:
5.03
